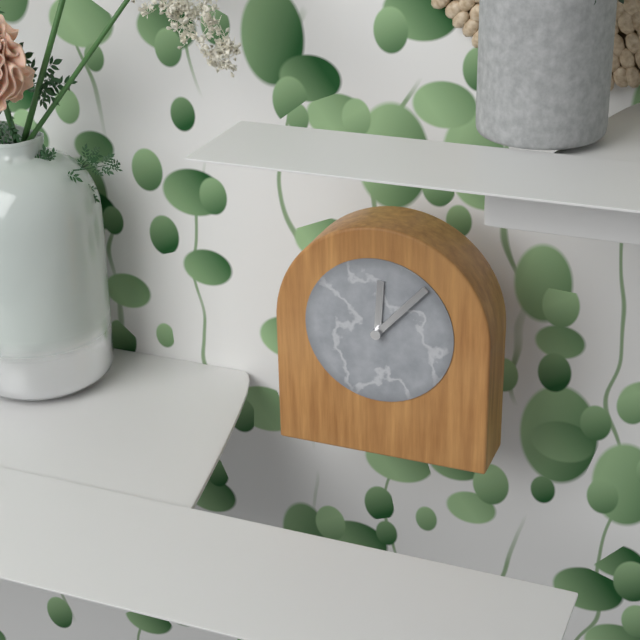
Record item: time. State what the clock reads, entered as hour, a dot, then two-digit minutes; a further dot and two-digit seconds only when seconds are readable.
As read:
12.07
